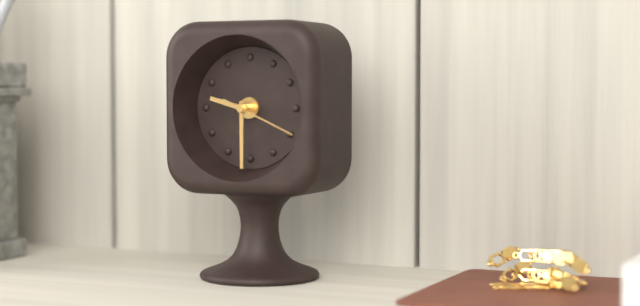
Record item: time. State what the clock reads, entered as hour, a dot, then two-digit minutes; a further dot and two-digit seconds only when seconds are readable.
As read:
9.30.19
